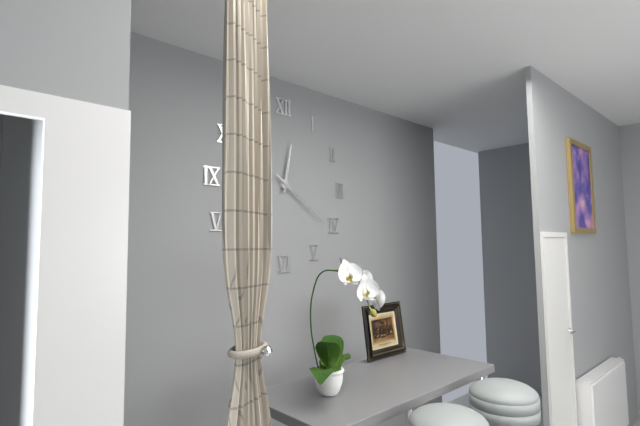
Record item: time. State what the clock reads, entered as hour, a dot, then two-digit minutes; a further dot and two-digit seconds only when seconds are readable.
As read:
12.21
